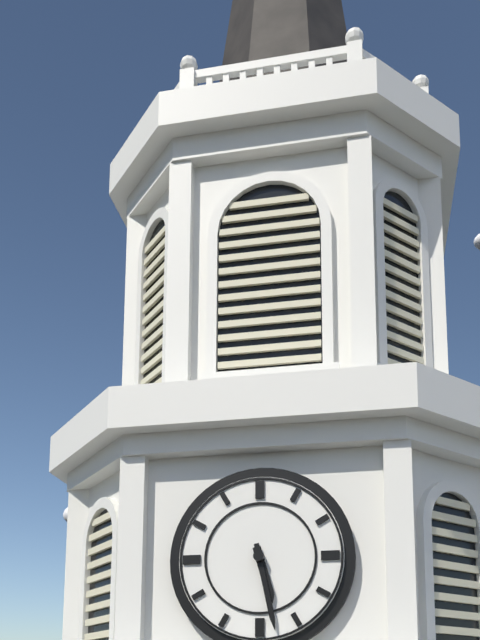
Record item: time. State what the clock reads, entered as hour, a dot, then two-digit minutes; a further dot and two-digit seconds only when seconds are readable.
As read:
5.28
